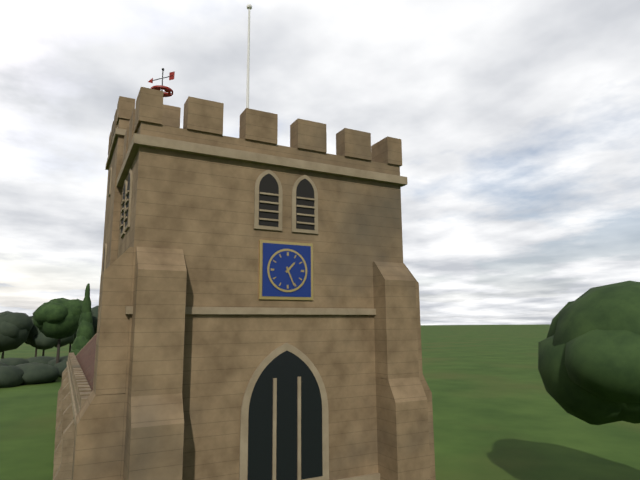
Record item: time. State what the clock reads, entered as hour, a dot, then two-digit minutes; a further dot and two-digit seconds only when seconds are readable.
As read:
1.26
